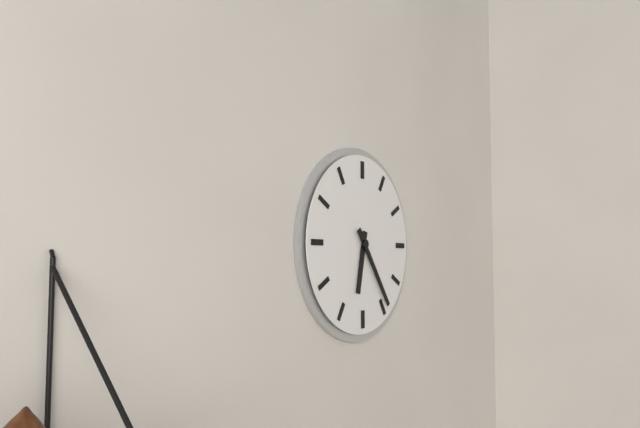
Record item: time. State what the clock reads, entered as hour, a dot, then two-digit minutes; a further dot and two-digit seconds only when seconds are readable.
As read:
6.24
